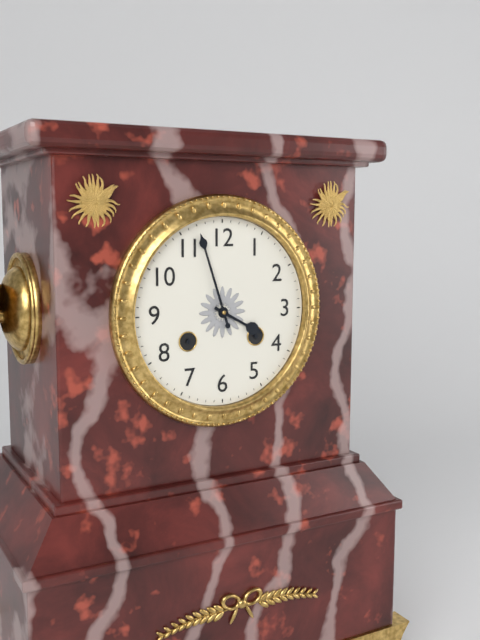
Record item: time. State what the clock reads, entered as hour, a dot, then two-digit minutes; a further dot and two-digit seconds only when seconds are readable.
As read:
3.57
